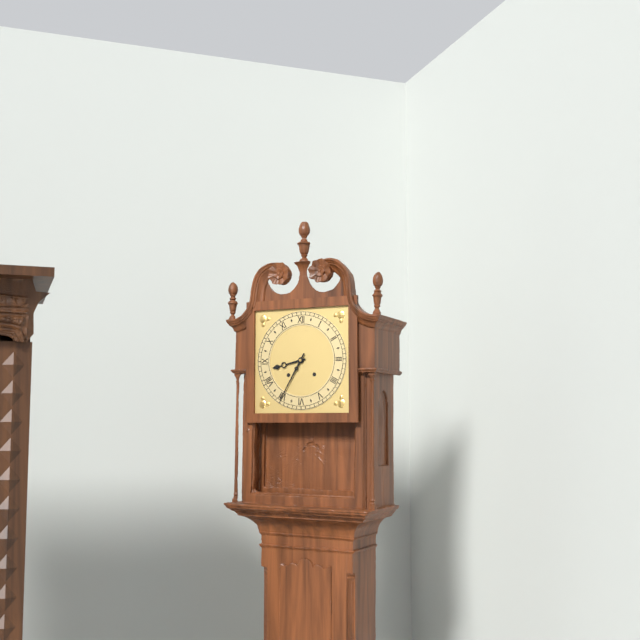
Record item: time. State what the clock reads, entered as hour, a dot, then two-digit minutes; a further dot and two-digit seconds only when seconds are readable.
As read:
8.35
